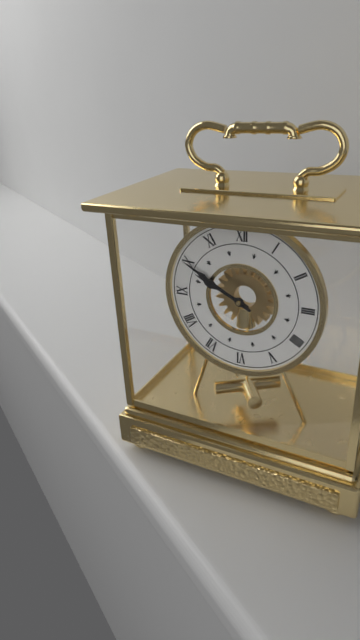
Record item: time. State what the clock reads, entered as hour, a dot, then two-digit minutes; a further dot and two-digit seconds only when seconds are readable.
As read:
9.50
